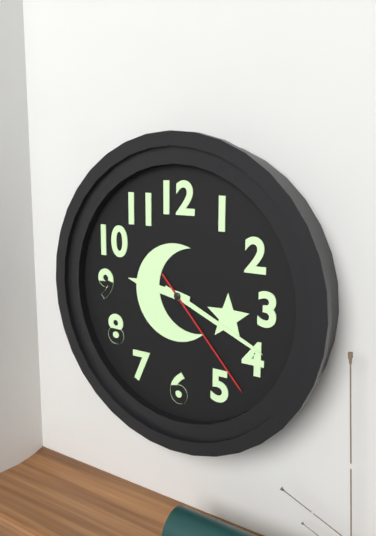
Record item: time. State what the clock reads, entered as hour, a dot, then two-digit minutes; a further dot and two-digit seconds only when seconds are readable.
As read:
9.19.23
